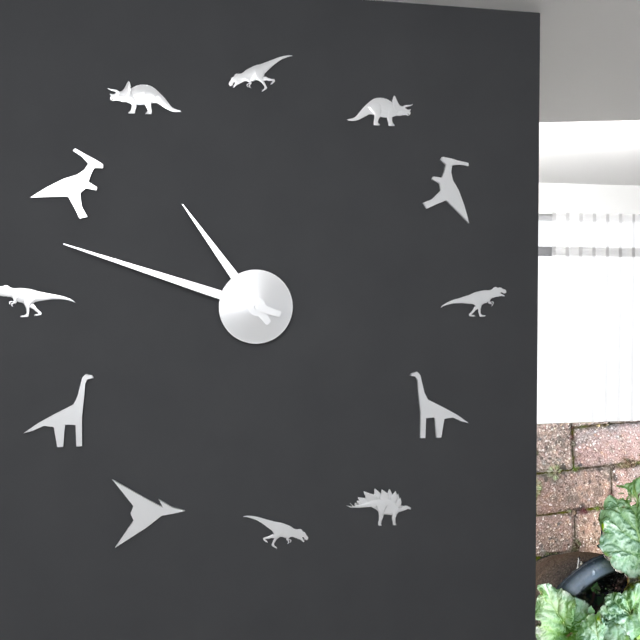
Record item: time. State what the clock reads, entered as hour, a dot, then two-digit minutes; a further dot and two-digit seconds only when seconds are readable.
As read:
10.48
